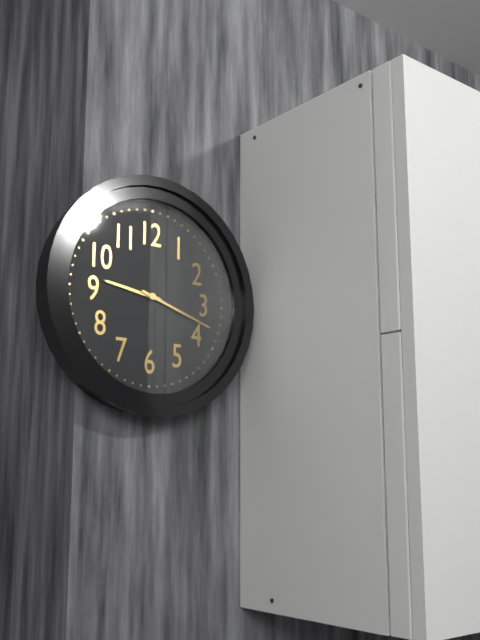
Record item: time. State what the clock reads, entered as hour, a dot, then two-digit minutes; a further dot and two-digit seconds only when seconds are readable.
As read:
9.18
